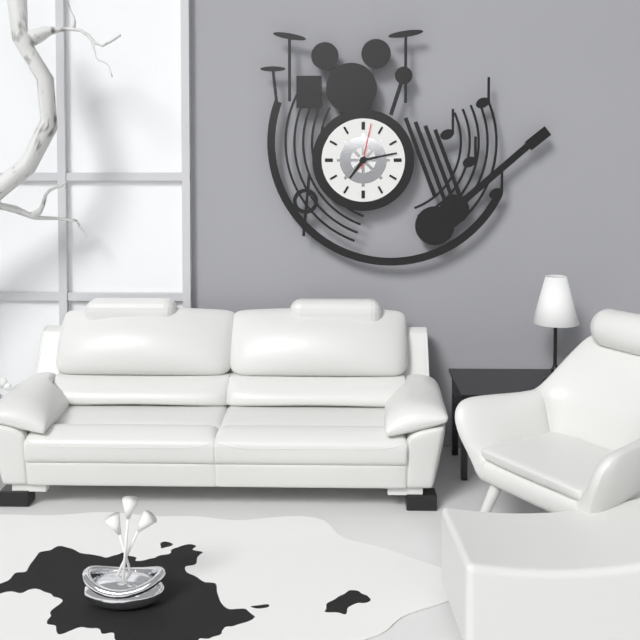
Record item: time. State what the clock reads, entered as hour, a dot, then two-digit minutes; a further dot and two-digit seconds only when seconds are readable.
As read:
7.13
